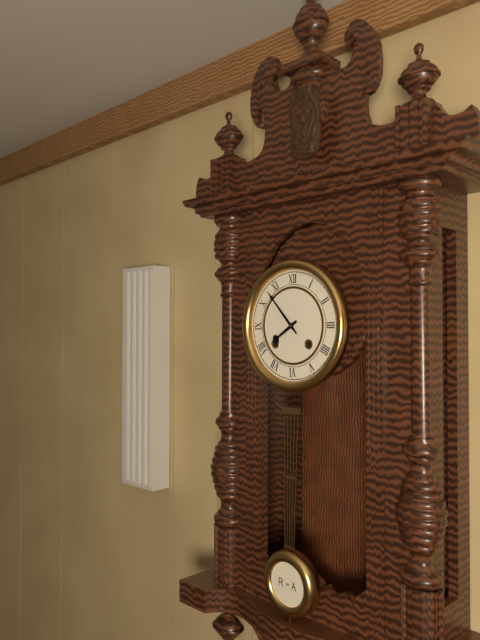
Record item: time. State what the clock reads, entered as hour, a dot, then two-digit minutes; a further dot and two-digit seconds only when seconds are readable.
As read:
7.53
